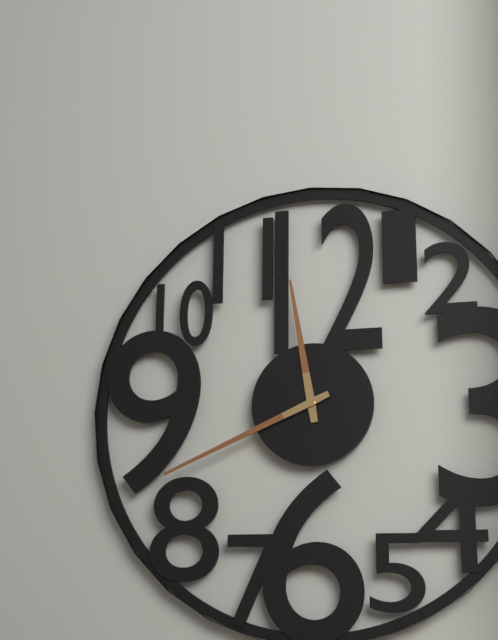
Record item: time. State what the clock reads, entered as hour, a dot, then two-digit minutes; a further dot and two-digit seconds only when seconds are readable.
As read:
11.41
